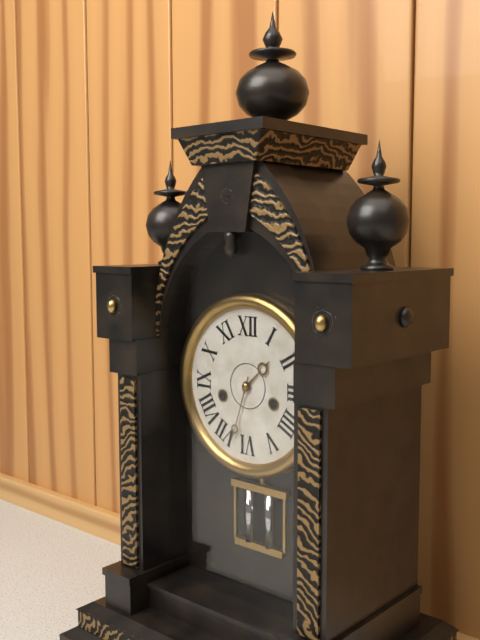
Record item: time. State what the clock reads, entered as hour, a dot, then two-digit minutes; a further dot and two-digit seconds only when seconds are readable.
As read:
1.33
